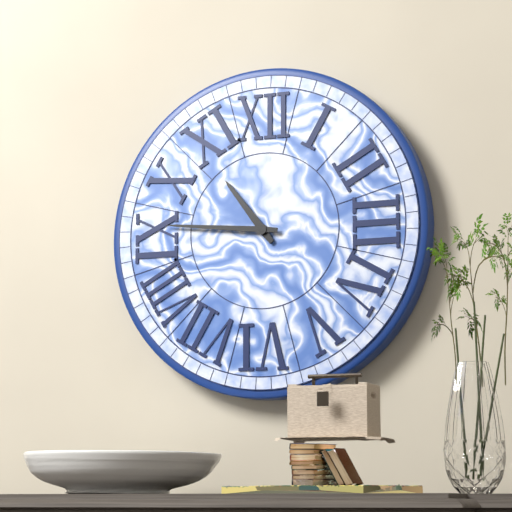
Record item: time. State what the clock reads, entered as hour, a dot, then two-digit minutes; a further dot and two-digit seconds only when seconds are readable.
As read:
10.46
